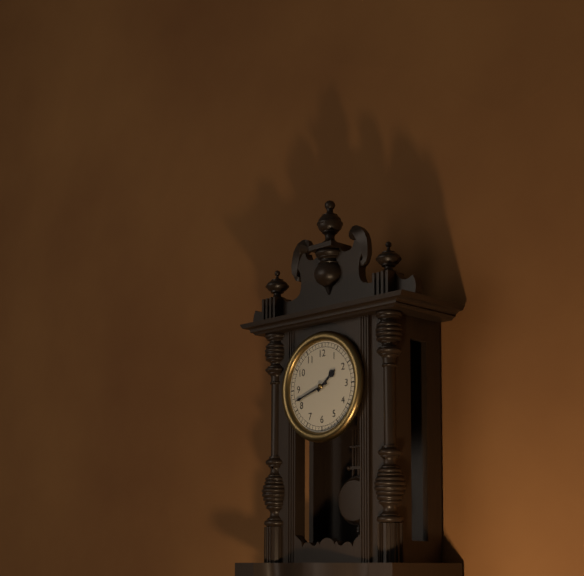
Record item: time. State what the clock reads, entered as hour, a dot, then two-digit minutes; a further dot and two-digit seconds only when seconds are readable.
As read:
1.42
